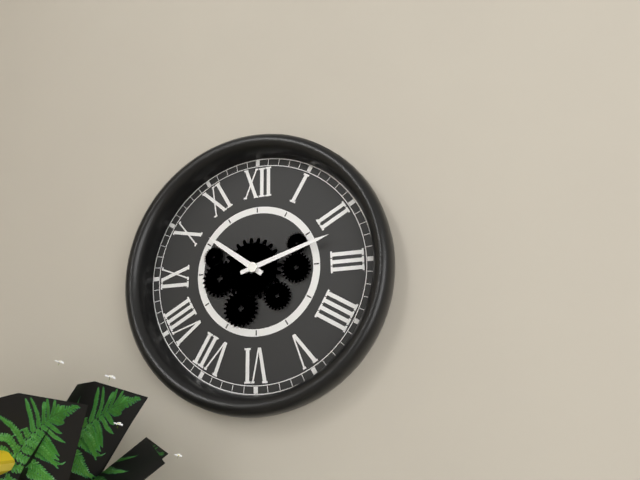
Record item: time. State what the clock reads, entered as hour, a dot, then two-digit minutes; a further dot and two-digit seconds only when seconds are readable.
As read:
10.12
